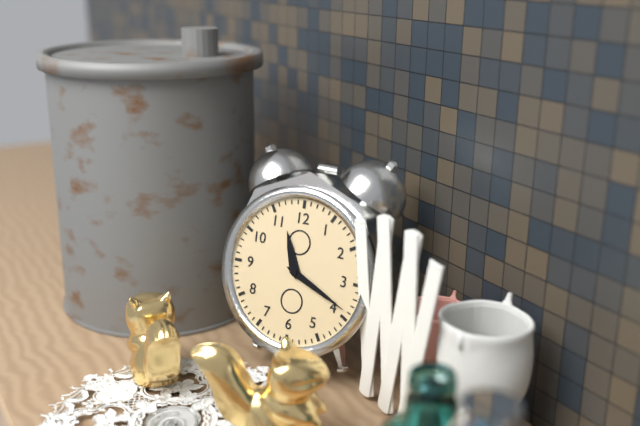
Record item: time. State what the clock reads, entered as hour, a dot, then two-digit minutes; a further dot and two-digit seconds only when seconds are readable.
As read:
11.19
